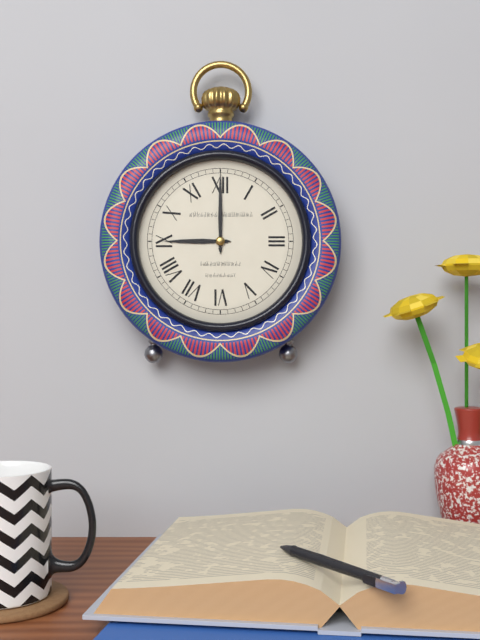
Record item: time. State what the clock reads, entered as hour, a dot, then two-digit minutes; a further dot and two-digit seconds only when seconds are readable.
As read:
9.00
